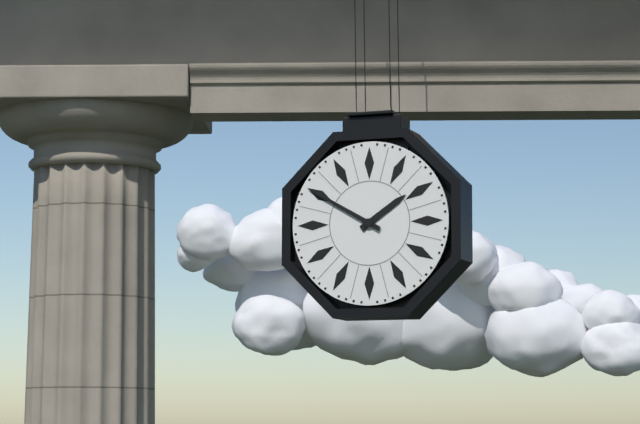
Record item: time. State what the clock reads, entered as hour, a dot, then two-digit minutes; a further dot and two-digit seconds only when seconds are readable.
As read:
1.50
